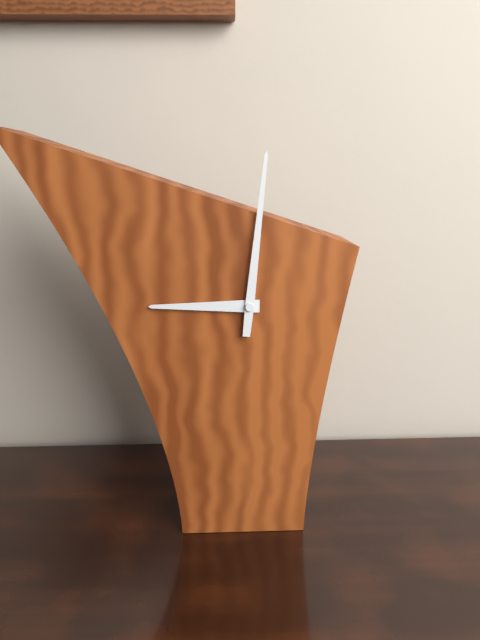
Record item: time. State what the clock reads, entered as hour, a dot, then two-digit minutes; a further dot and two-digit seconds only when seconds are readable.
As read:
9.01
